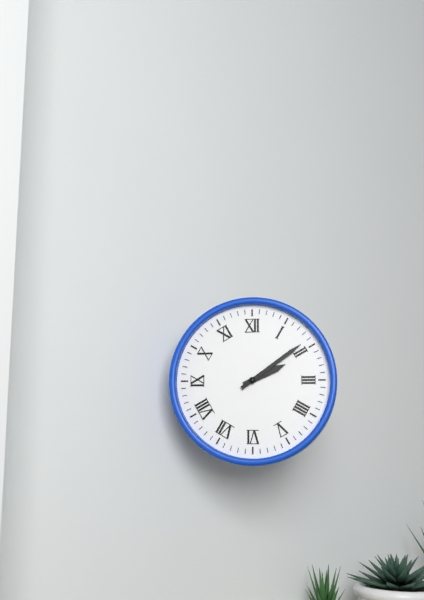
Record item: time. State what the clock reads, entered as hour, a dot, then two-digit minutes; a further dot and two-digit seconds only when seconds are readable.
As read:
2.09
